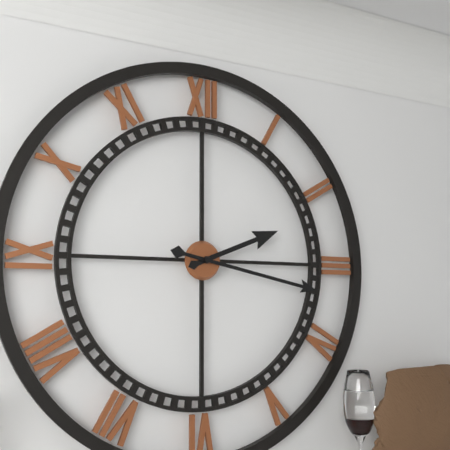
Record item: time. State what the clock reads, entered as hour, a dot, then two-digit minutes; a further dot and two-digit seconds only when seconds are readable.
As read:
2.17
